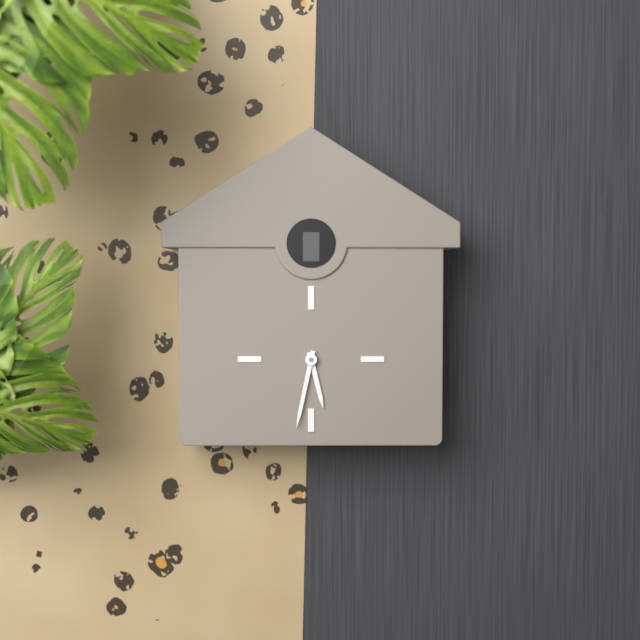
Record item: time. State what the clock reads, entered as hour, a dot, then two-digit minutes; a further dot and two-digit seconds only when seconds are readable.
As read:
5.32
